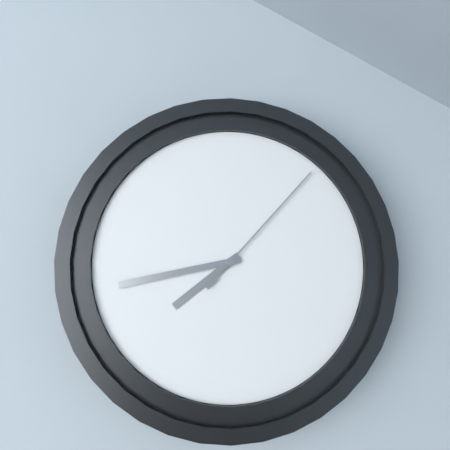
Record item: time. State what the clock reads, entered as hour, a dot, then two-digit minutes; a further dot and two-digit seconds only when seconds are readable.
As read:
7.43.07
